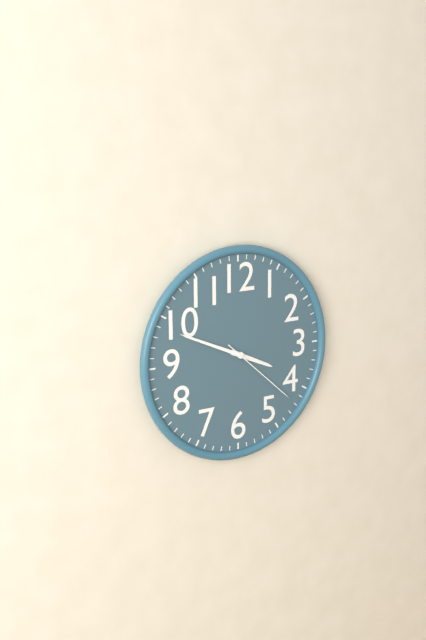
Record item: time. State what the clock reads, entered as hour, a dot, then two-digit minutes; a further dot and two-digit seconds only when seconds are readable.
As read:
3.49.22
